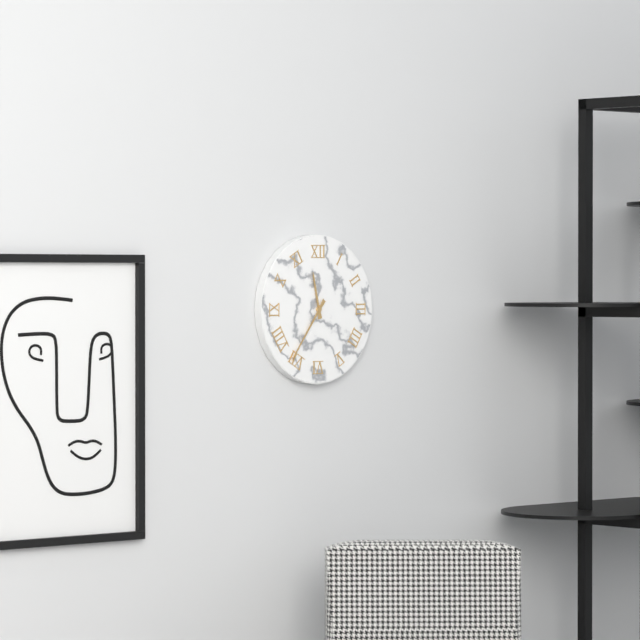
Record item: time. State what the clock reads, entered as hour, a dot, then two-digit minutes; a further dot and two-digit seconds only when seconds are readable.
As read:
11.36
